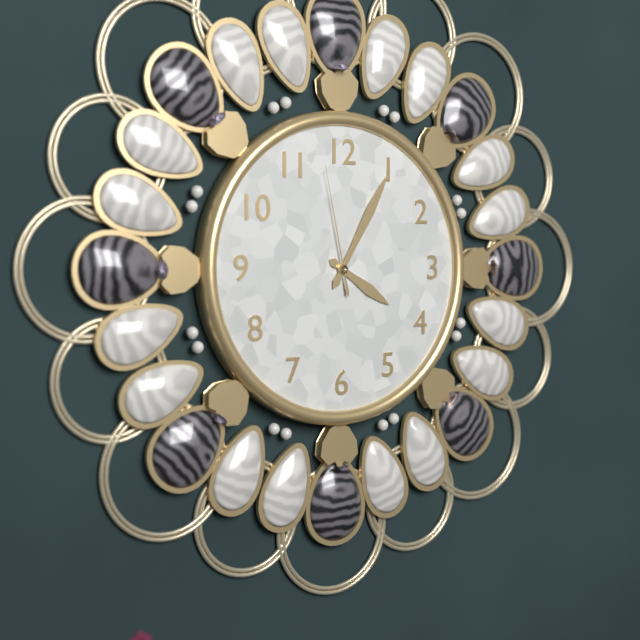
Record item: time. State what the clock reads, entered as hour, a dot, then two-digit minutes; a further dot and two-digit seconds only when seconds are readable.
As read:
4.05.58
